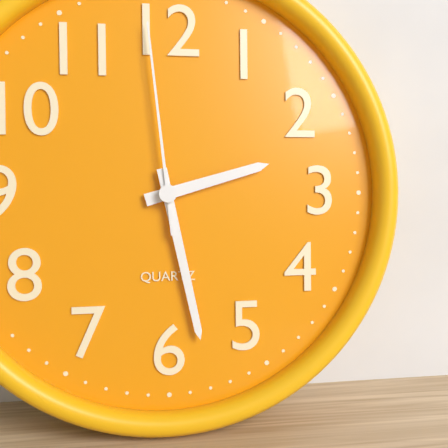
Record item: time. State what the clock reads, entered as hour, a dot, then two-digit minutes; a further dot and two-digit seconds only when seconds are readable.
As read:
2.28.59
